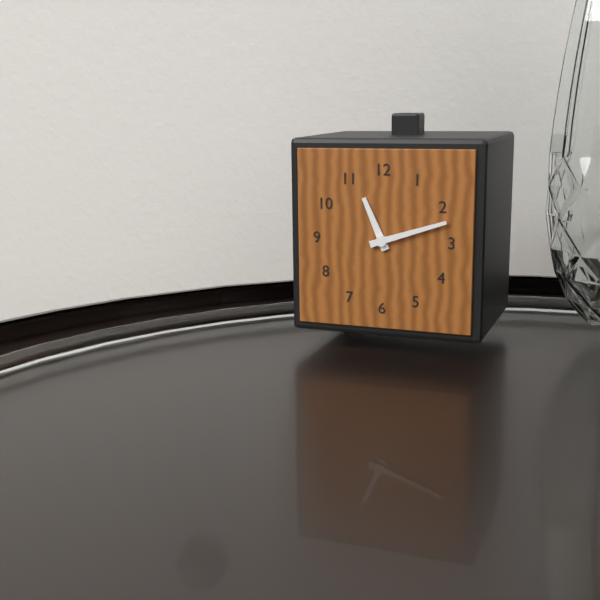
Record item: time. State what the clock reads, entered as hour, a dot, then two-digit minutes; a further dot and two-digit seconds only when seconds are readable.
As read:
11.12
